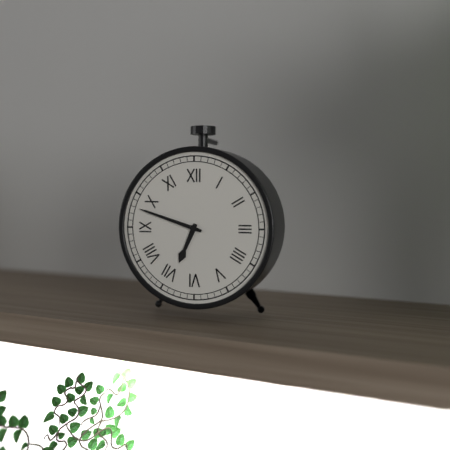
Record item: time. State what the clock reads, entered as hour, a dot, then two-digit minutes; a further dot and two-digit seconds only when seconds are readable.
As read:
6.48
